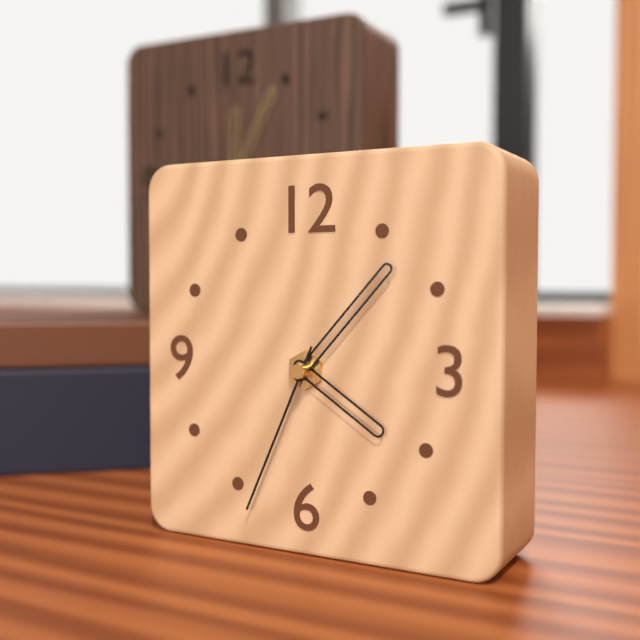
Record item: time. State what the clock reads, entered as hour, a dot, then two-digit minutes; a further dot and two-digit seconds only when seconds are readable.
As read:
4.07.34
